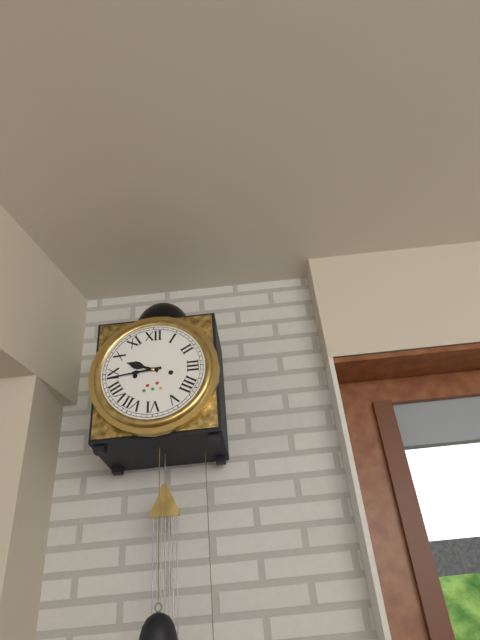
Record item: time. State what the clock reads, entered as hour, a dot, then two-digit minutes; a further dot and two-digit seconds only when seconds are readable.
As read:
9.44
